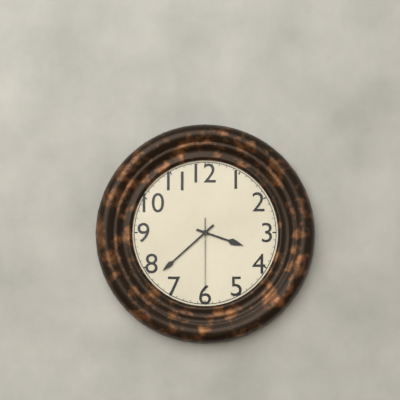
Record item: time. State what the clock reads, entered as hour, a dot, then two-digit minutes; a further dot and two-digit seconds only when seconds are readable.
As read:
3.38.30
